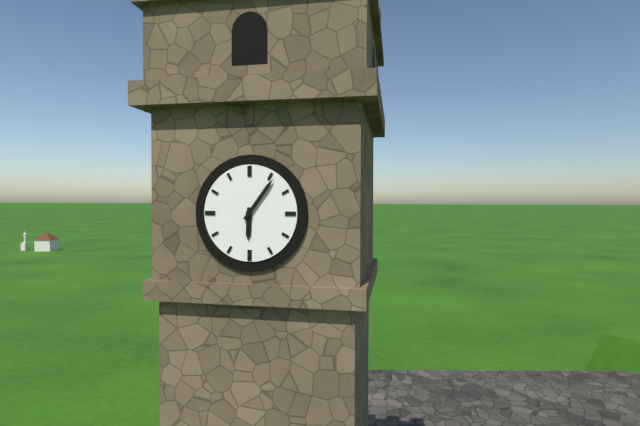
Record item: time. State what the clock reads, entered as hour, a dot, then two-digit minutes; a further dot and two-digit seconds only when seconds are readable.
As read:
6.06
